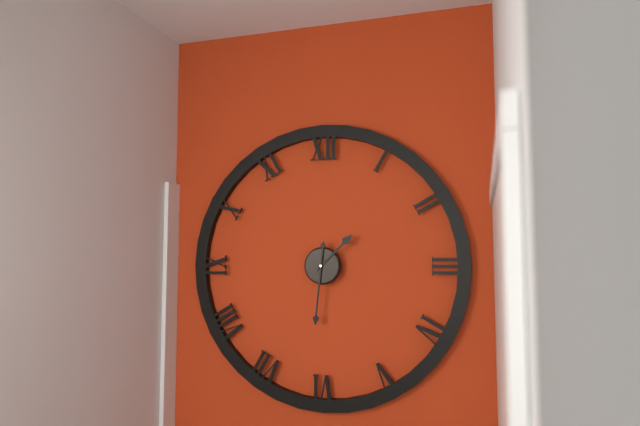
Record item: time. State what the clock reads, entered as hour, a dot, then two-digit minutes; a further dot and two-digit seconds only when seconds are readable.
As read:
1.31
